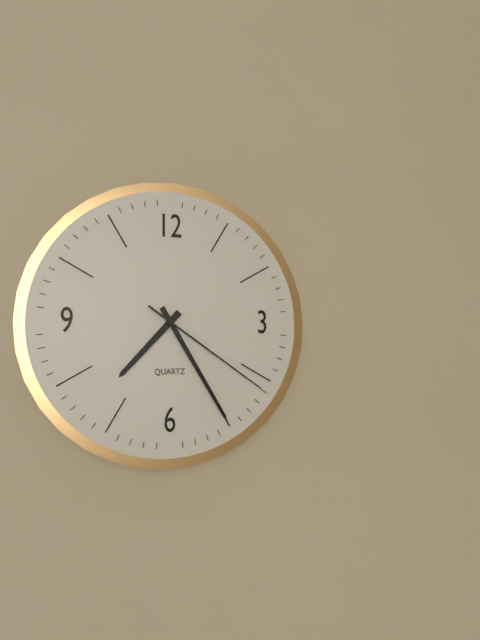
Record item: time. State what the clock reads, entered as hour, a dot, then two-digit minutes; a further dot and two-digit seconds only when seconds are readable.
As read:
7.25.21
